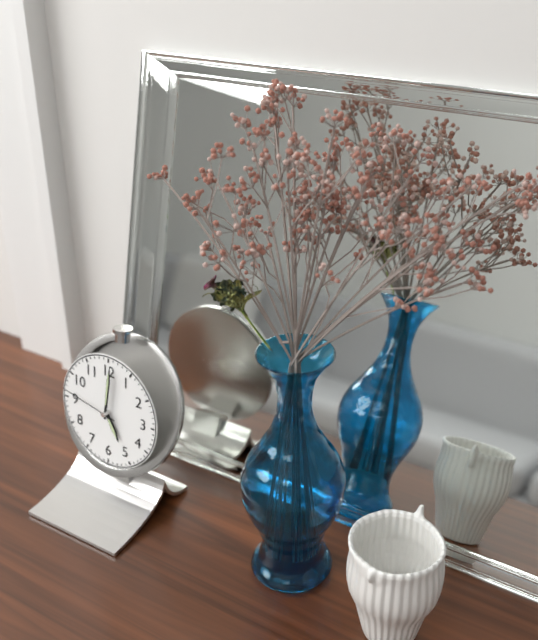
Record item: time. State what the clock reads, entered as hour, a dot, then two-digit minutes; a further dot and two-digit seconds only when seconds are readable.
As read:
5.01.47
